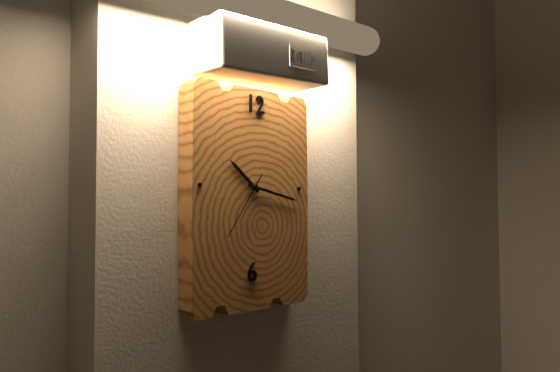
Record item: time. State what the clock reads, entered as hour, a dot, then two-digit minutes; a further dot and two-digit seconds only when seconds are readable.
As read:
10.17.36
